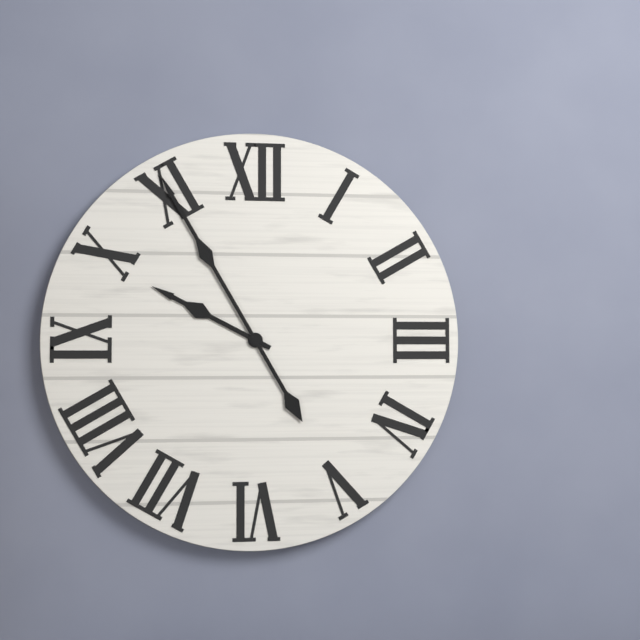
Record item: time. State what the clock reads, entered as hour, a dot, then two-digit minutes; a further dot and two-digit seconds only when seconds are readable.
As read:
9.55
